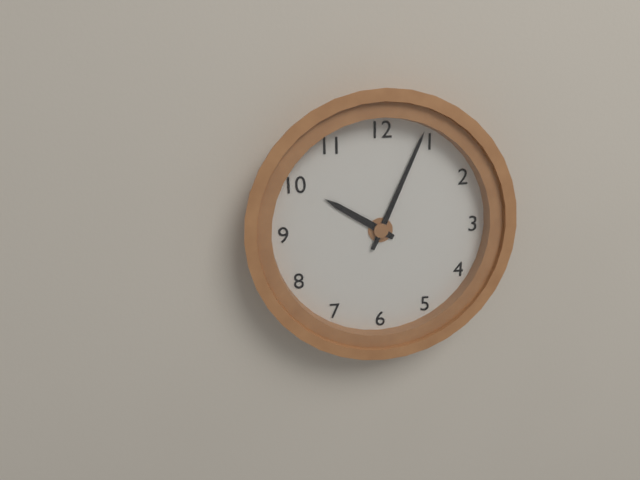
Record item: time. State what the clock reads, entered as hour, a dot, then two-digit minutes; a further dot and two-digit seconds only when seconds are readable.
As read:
10.04
